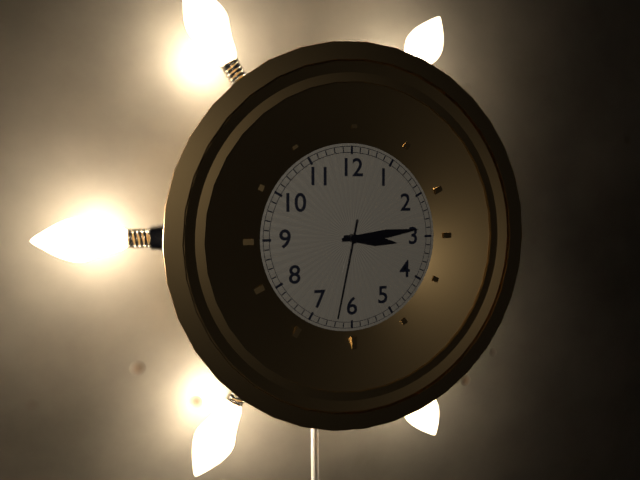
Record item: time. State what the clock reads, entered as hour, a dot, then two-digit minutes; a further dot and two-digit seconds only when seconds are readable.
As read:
3.14.32
